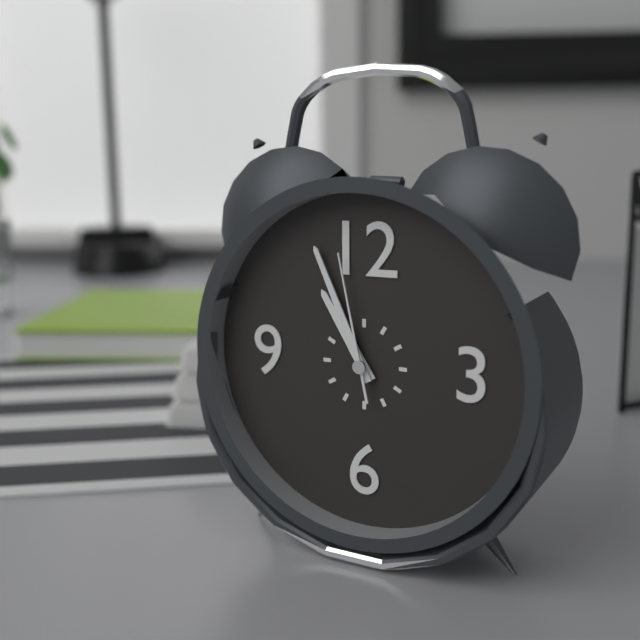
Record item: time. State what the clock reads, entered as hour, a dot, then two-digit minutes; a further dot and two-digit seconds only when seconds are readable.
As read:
10.56.58
